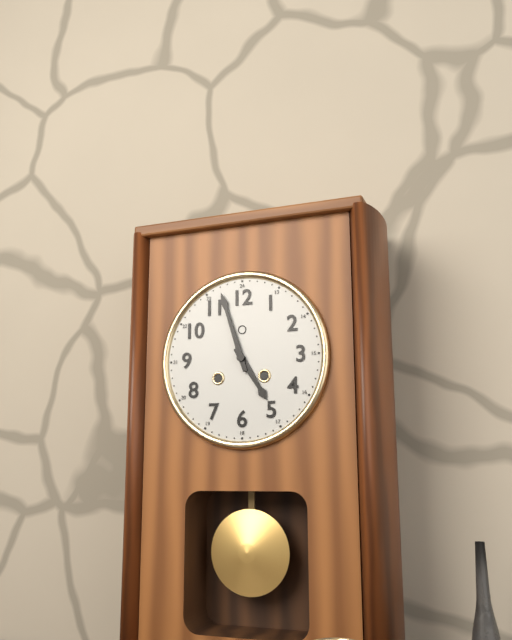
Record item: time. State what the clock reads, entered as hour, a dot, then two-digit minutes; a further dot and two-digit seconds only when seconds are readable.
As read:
4.57
